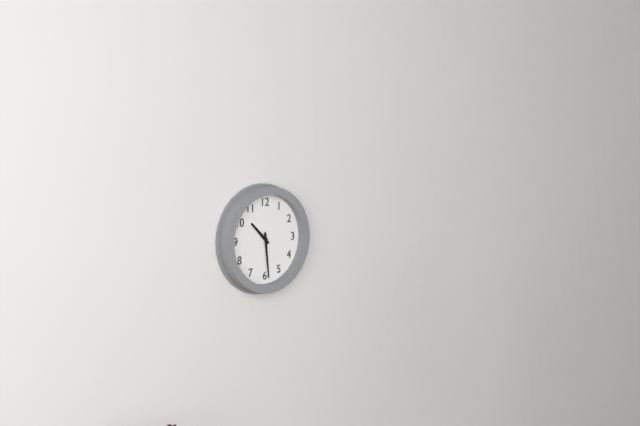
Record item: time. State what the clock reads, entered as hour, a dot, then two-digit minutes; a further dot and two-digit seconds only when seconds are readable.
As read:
10.29
